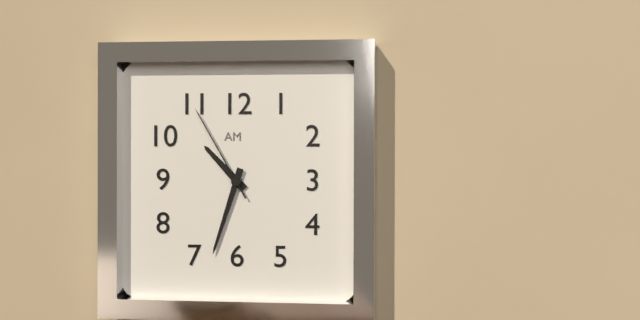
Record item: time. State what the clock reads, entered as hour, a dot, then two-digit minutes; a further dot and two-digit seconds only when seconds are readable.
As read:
10.33.55
